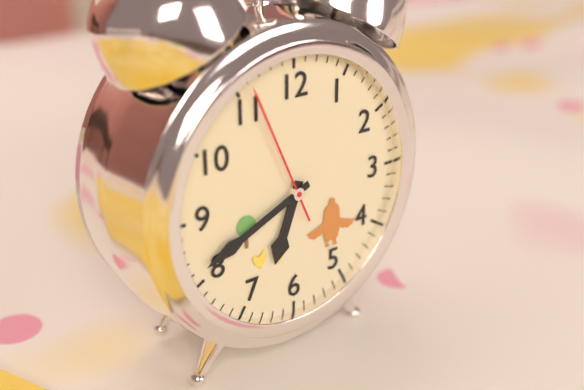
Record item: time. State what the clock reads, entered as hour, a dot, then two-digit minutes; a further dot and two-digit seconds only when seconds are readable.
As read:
6.41.56
